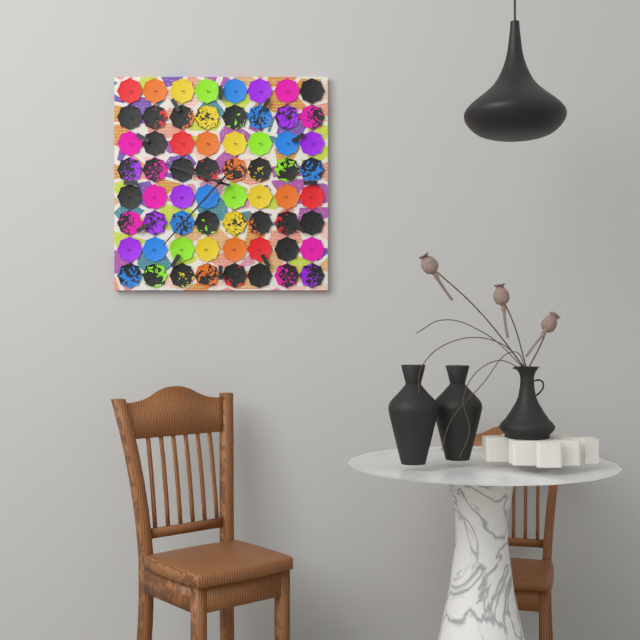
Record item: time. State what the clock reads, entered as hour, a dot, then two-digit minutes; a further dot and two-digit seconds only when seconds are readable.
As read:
9.37
